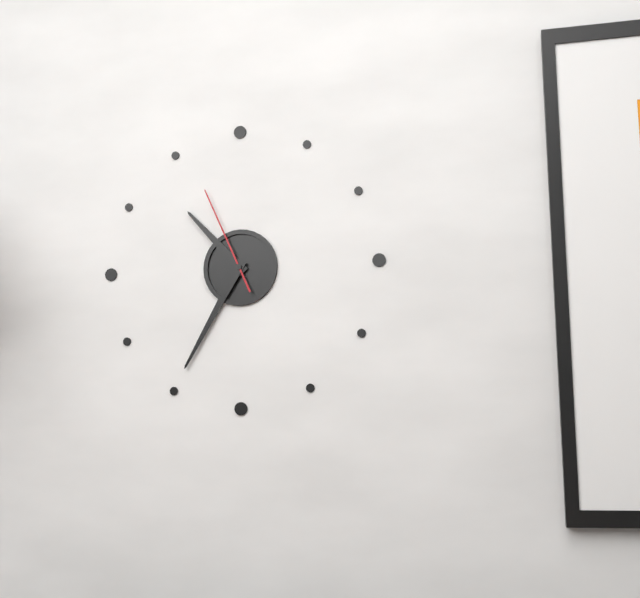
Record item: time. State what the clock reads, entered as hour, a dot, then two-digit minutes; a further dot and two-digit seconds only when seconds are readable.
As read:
10.35.56
